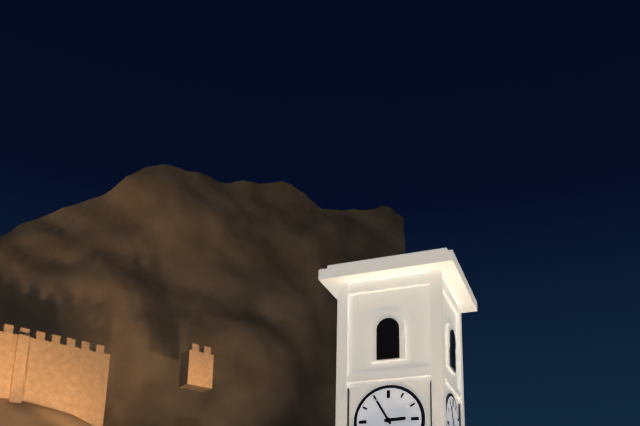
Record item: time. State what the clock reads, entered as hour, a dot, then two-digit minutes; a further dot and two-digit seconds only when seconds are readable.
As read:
2.55
